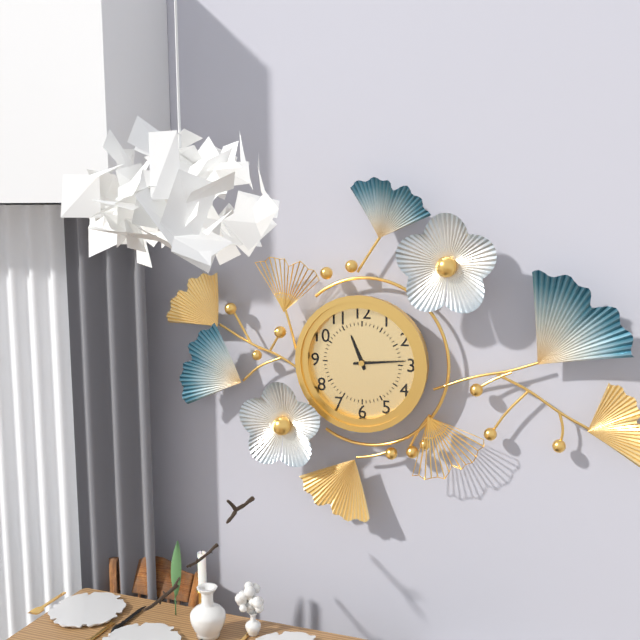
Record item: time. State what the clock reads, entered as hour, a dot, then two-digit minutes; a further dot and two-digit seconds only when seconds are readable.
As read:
11.14
